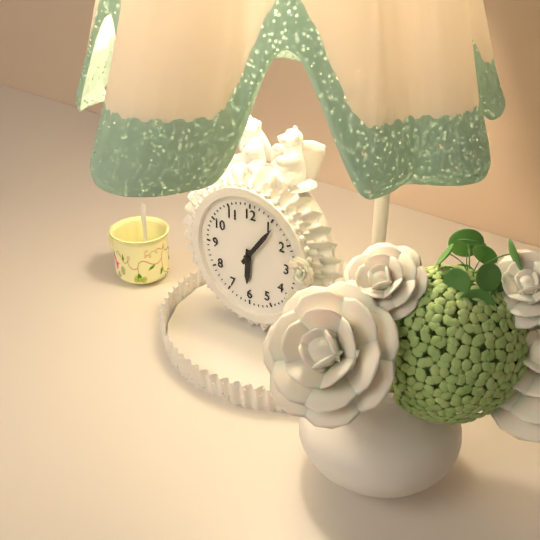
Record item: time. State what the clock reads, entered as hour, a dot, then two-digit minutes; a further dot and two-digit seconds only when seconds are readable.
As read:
6.06
